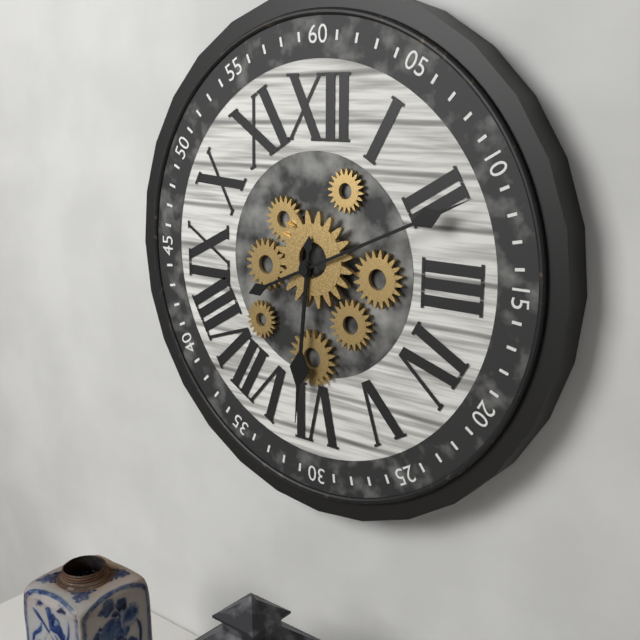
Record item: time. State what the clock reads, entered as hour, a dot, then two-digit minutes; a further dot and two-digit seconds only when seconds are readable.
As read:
6.11
